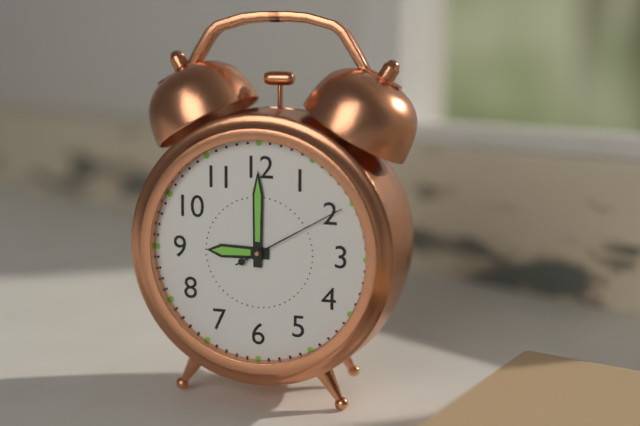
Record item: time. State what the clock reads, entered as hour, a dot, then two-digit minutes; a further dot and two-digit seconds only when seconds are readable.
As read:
9.00.10
